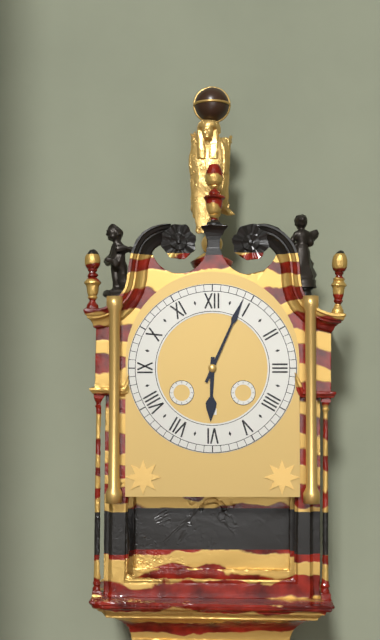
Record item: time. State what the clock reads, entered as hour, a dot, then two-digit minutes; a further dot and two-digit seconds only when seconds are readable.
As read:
6.04
